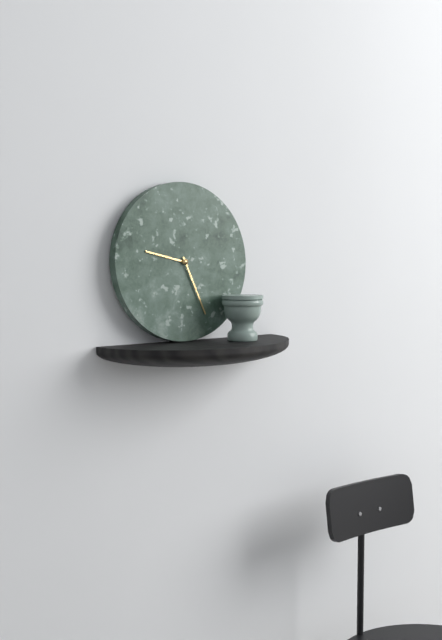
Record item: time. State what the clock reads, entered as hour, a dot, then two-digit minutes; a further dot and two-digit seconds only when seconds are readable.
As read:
9.26
